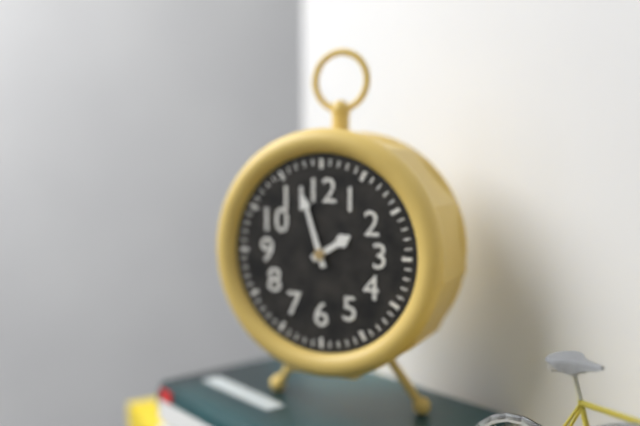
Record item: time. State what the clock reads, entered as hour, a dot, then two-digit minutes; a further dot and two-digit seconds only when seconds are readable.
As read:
1.57
